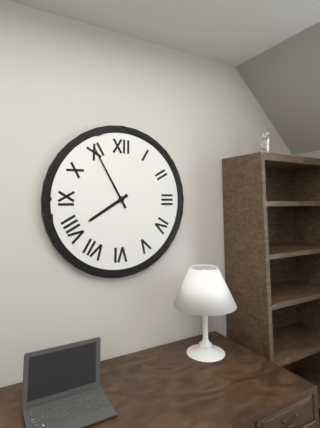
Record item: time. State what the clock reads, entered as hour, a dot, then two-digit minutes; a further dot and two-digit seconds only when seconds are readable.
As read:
7.55
